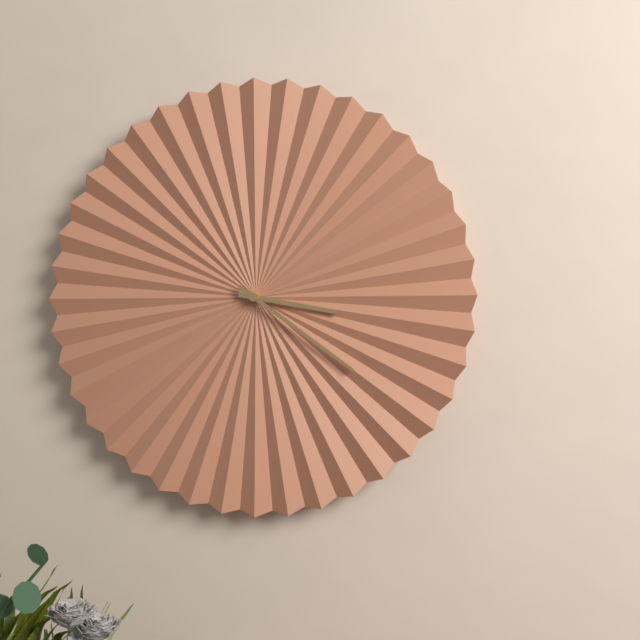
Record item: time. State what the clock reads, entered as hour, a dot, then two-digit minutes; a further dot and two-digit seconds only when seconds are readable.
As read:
3.21
